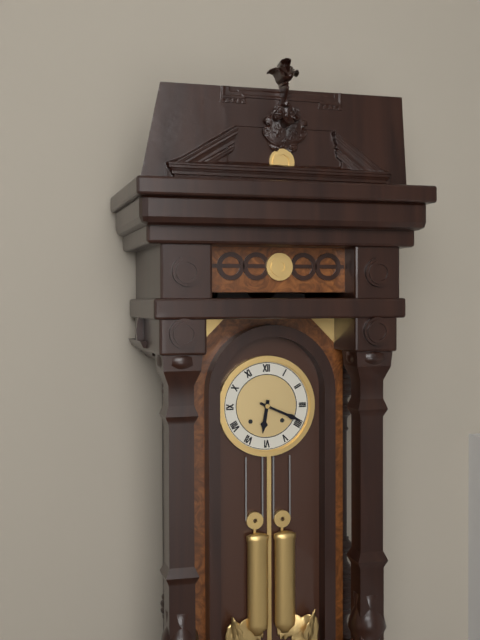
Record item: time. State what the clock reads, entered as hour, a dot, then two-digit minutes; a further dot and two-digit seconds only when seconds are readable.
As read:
6.19
